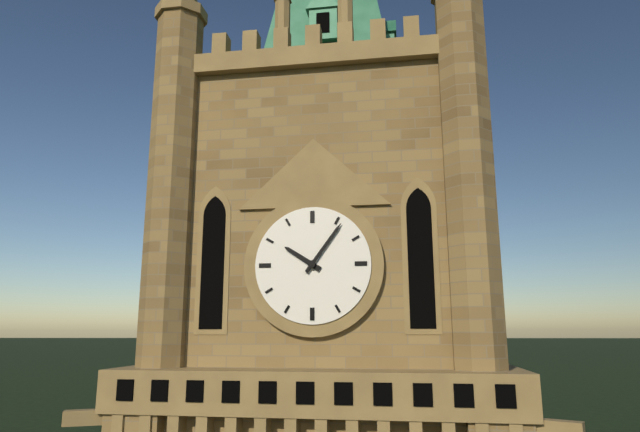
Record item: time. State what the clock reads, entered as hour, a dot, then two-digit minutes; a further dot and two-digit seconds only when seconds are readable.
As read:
10.06
